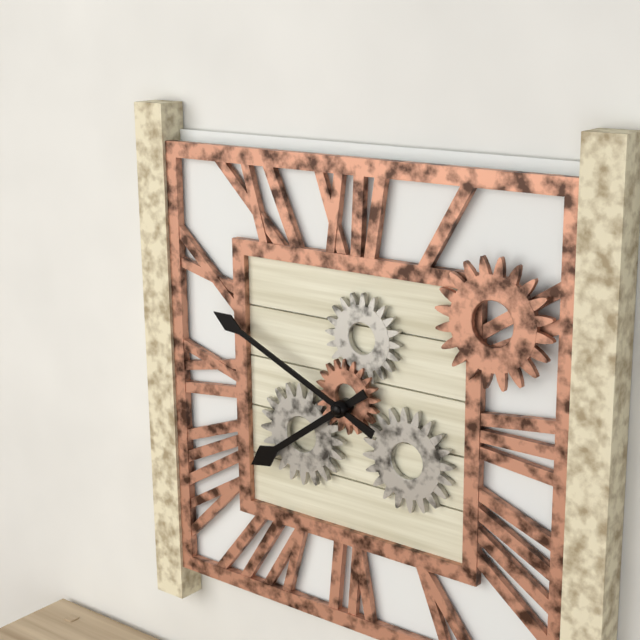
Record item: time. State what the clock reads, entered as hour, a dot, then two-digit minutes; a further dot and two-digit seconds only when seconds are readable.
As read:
7.49
